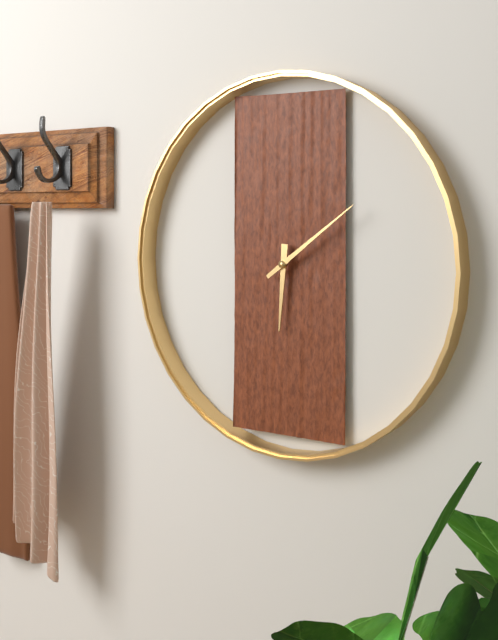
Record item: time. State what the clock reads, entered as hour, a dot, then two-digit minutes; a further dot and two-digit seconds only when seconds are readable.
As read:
6.09
